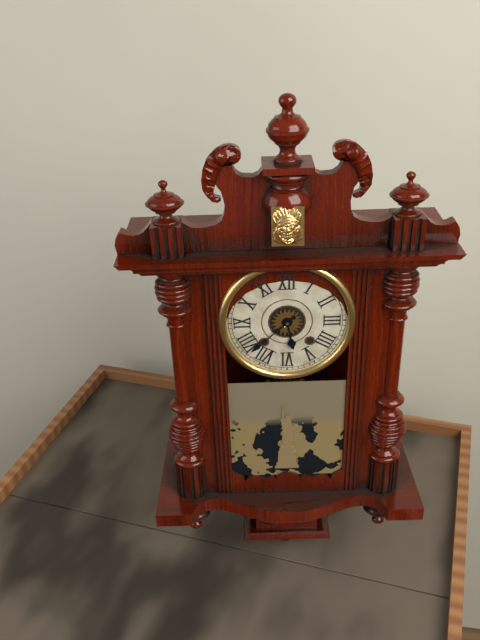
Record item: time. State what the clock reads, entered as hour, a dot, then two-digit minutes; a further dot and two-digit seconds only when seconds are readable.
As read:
5.38
